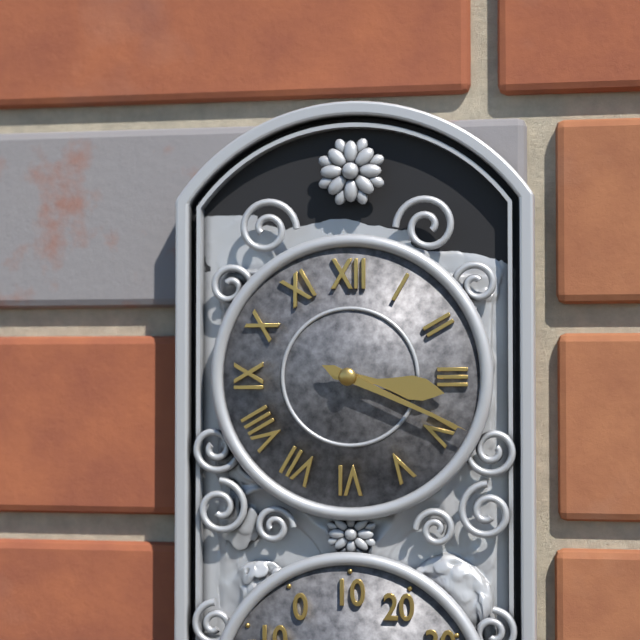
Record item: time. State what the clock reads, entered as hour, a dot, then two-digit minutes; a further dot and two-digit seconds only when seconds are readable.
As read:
3.19
